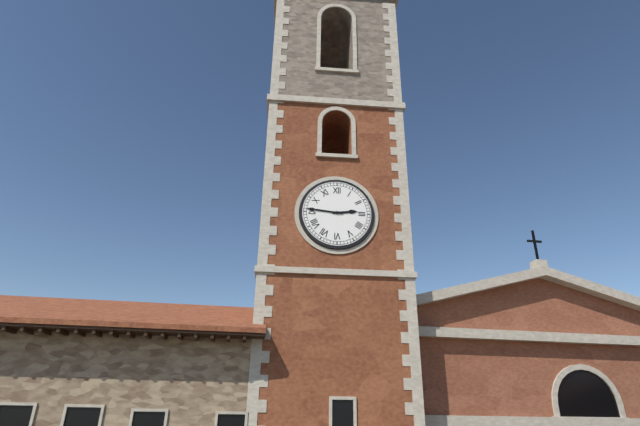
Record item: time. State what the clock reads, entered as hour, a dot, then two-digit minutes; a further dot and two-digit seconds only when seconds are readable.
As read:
2.46
